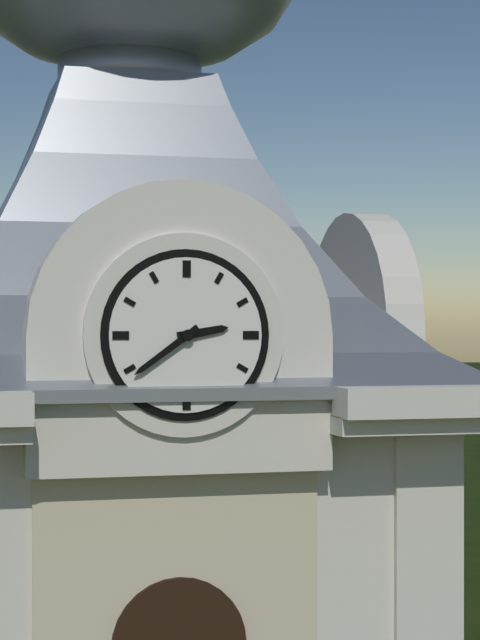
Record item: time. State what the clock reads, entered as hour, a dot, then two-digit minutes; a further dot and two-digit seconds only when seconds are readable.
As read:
2.39
